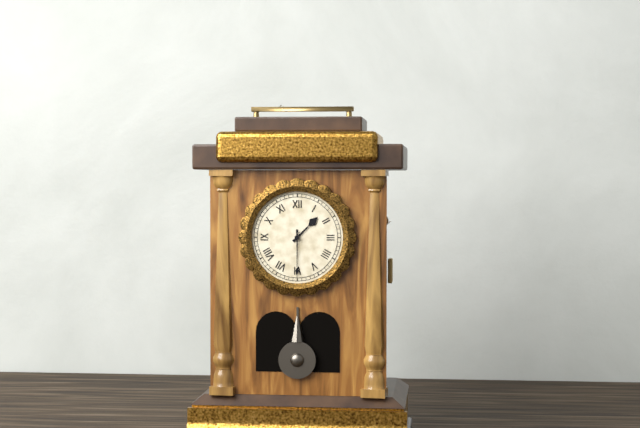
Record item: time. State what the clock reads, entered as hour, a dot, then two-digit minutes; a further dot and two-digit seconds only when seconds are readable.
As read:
1.30
